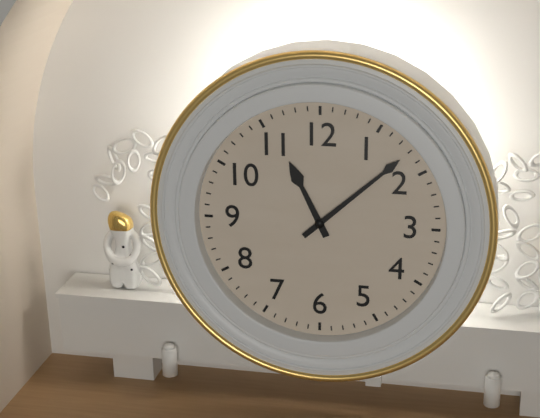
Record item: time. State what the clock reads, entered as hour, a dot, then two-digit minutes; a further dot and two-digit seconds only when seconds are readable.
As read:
11.08
